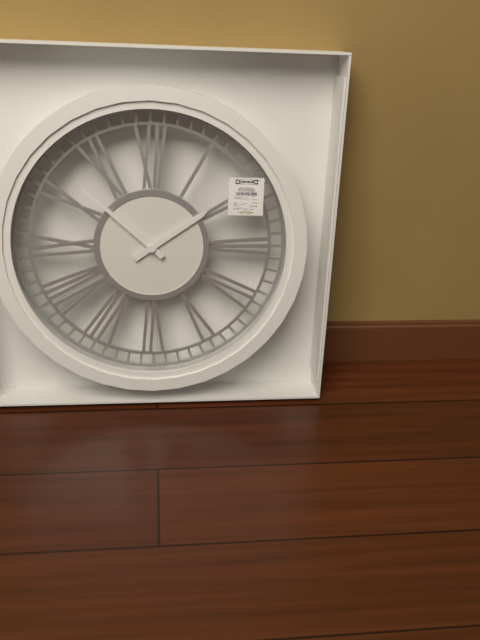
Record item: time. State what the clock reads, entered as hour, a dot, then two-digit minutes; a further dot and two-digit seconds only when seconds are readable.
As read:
1.52
